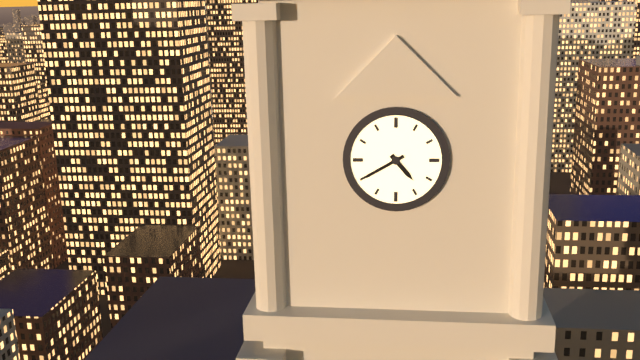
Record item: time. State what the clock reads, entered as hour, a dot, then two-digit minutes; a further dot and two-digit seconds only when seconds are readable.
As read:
4.40
